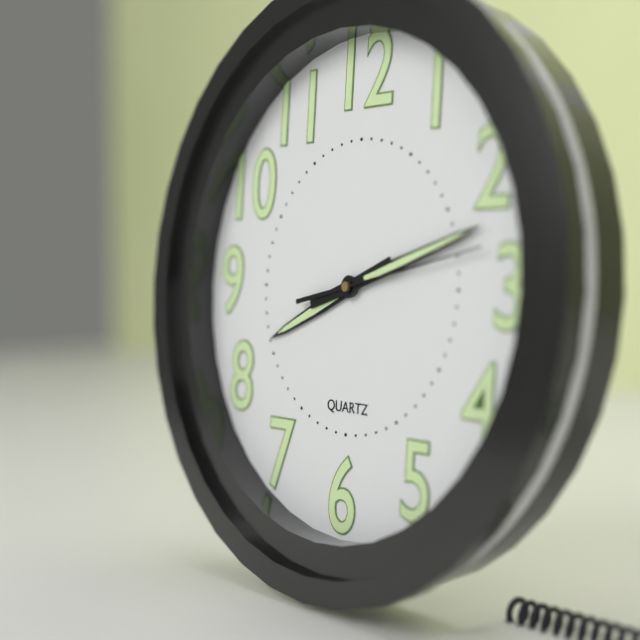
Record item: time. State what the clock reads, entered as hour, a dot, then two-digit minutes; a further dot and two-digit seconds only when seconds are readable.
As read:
8.12.13
